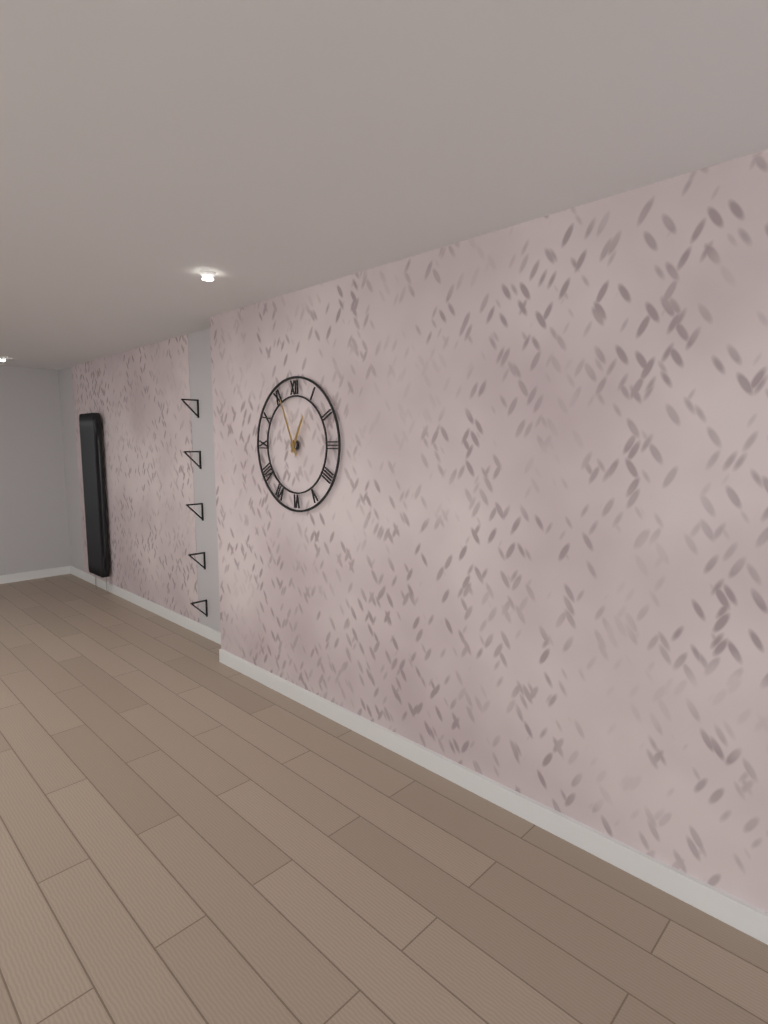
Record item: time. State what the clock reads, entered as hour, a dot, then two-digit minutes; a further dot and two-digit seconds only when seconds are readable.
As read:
12.56
